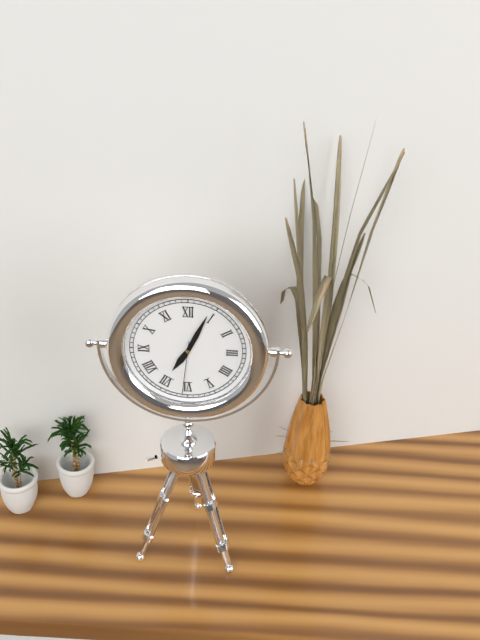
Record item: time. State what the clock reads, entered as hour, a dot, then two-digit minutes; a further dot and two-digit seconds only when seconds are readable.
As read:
7.04.31
